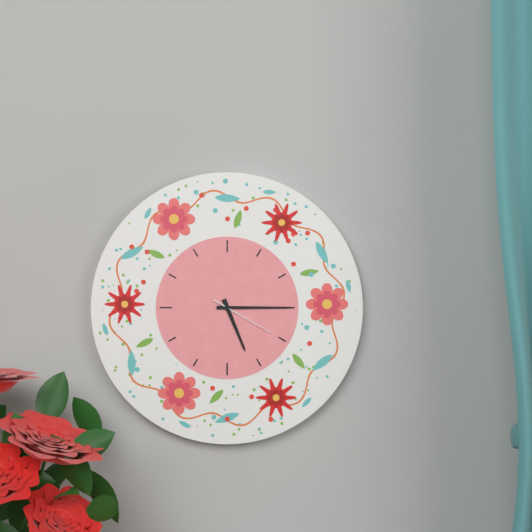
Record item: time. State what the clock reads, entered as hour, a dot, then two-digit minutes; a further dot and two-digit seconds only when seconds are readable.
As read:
5.15.20
